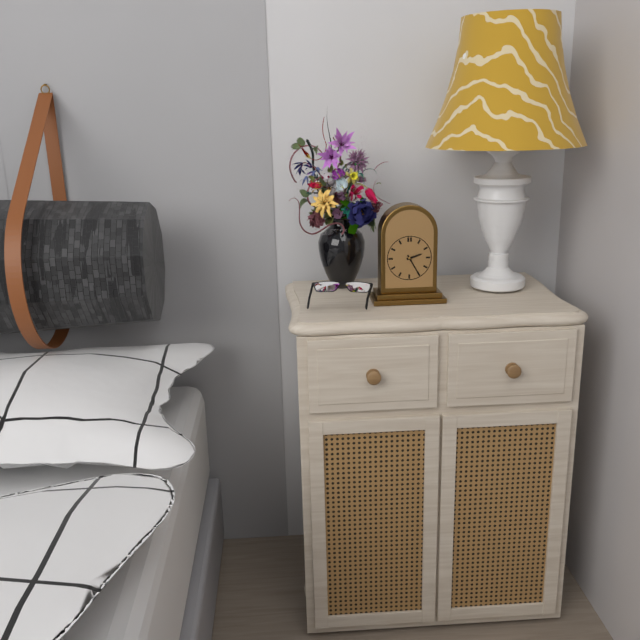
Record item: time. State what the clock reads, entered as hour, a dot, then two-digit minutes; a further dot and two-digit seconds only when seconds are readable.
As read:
2.25
